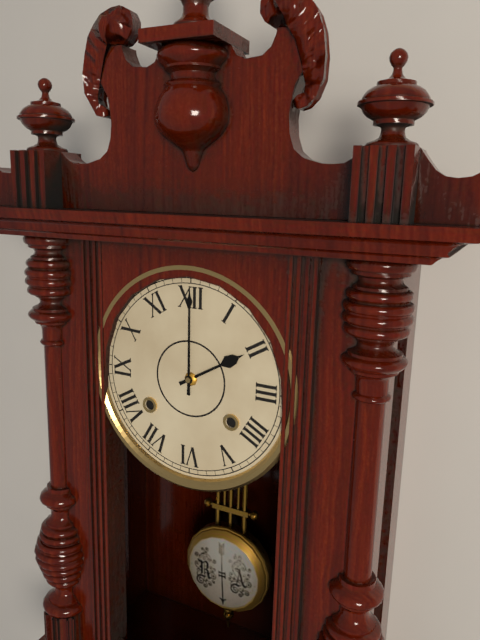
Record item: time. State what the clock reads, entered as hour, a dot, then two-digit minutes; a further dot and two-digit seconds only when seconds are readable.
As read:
2.00
